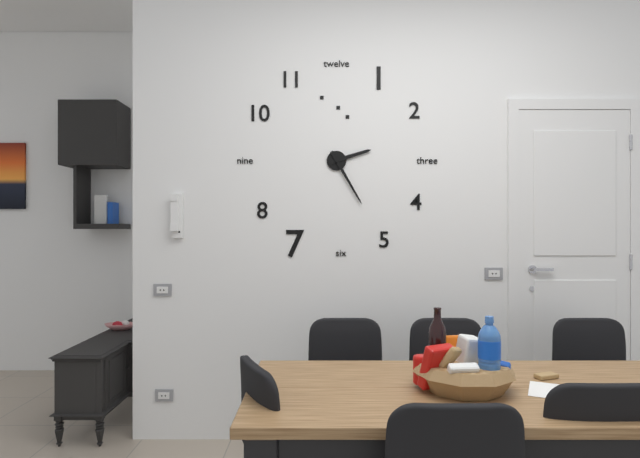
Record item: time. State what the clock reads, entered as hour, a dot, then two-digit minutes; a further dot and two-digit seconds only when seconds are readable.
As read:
2.25
